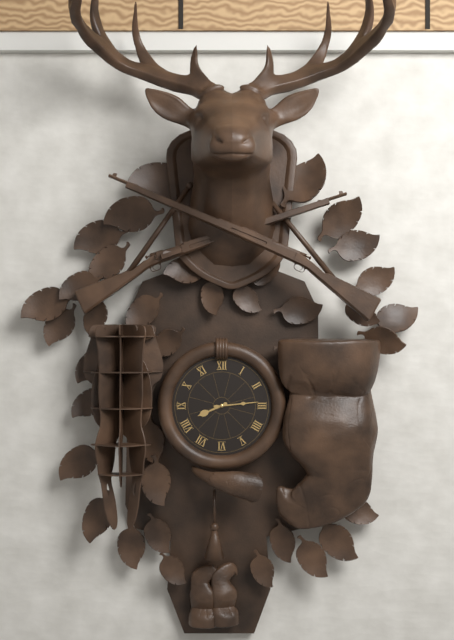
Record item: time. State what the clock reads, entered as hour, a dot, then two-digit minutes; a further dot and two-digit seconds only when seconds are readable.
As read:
8.14
